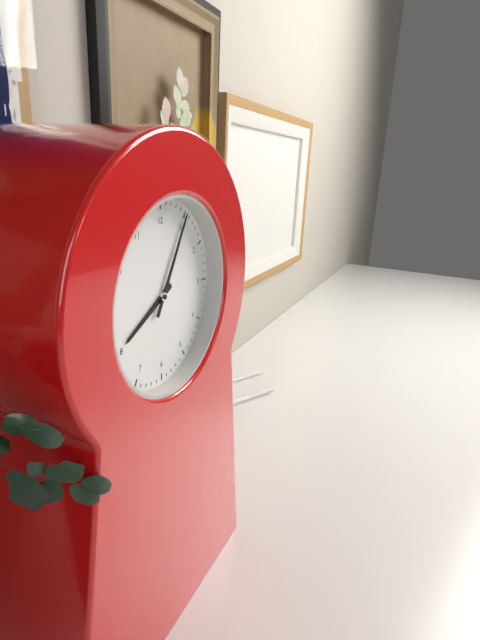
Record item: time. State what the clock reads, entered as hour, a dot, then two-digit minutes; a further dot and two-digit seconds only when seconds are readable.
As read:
8.05
